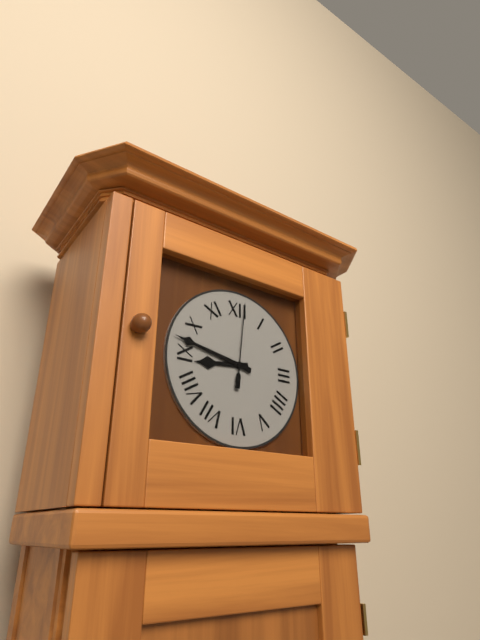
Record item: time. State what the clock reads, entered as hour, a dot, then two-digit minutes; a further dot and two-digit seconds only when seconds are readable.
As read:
8.47.01
